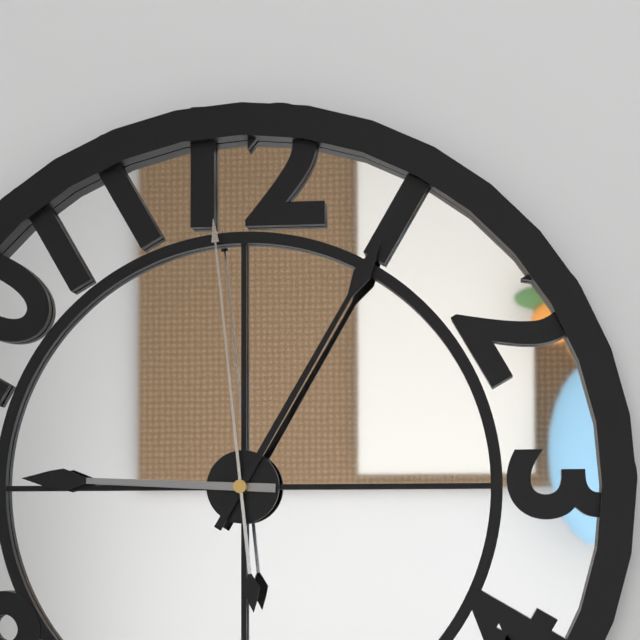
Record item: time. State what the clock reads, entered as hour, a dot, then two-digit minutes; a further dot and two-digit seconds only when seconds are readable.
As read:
9.05.59
